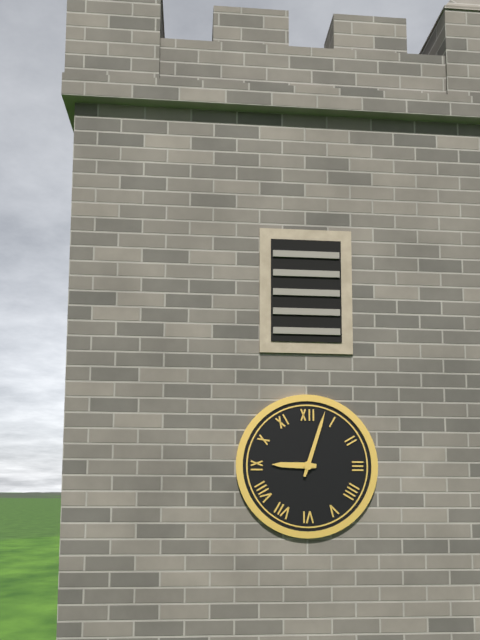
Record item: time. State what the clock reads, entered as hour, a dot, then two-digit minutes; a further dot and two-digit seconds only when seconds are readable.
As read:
9.03
